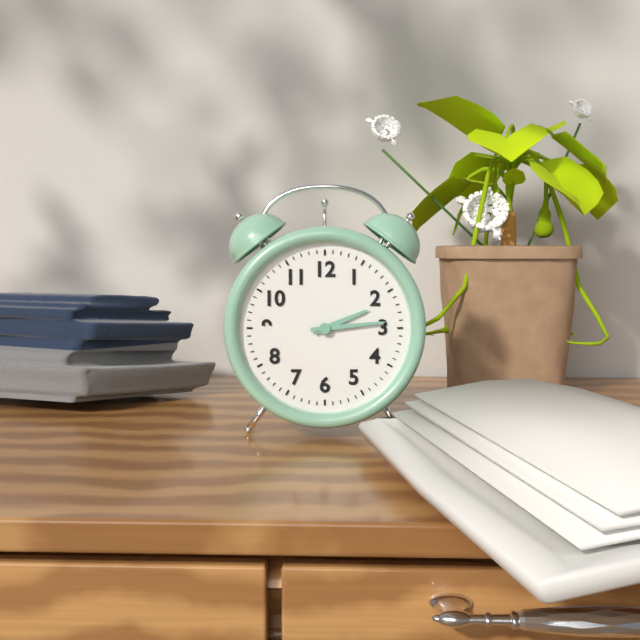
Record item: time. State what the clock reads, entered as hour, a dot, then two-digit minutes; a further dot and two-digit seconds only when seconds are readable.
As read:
2.14
